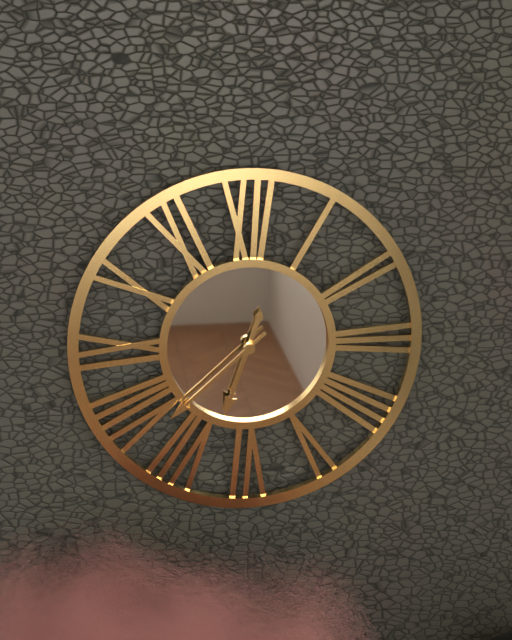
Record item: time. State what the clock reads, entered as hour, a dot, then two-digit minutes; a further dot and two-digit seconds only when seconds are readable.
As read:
6.38
